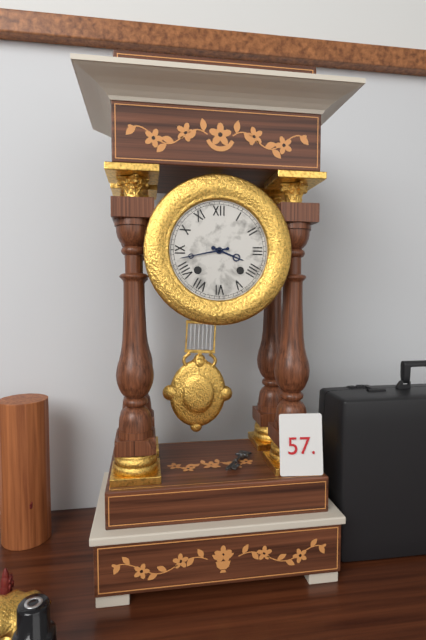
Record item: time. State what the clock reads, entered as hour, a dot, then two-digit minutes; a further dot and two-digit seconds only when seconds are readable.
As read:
3.43
